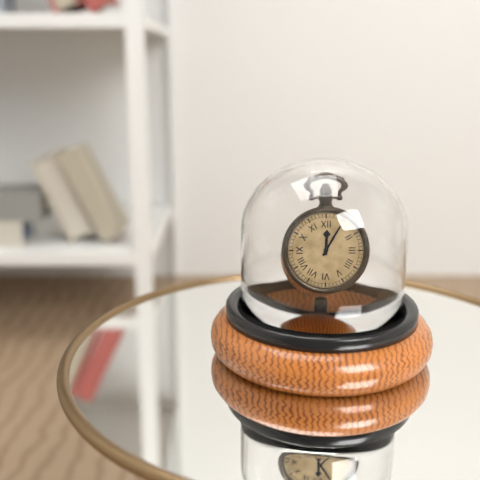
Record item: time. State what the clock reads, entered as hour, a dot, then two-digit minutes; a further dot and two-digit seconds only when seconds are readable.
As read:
12.05
